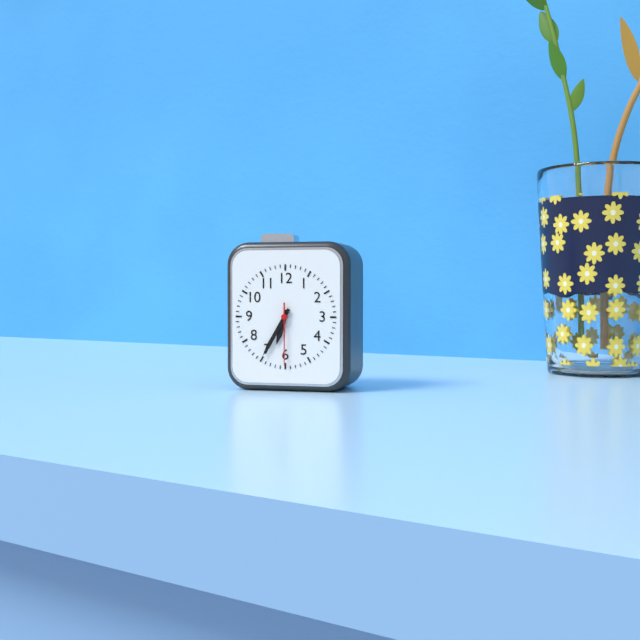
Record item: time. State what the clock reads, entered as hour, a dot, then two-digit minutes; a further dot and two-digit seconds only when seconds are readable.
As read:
6.35.30
